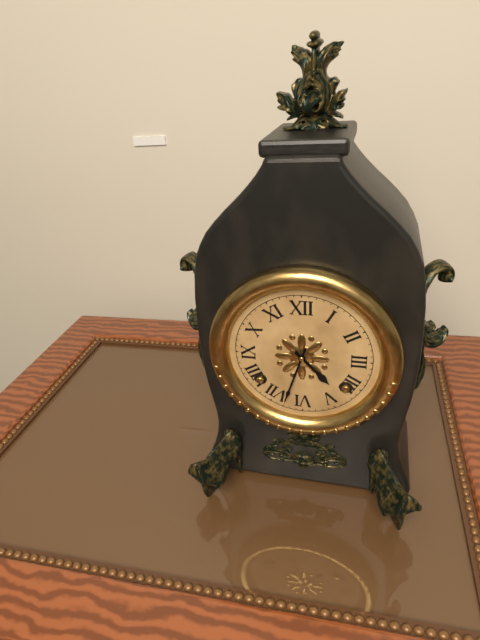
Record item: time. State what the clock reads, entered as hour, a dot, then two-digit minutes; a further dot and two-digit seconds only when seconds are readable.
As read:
4.33
